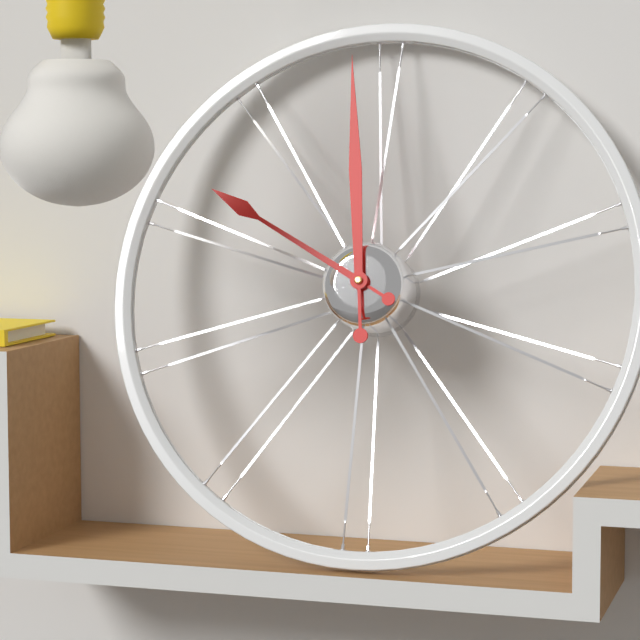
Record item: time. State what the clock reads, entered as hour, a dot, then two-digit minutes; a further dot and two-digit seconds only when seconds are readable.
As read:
9.59
